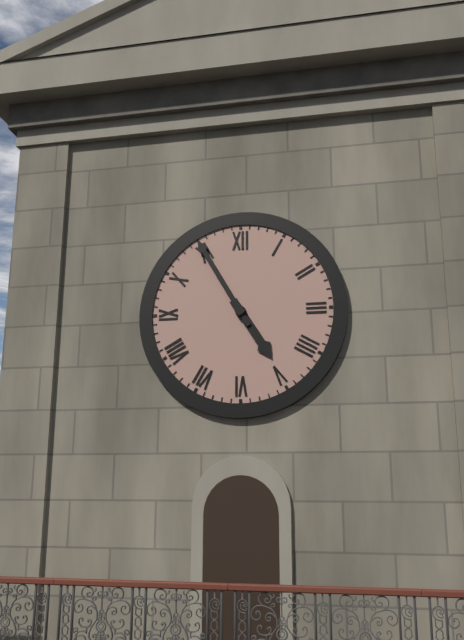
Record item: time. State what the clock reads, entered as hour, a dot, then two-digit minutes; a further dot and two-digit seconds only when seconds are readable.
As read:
4.55
